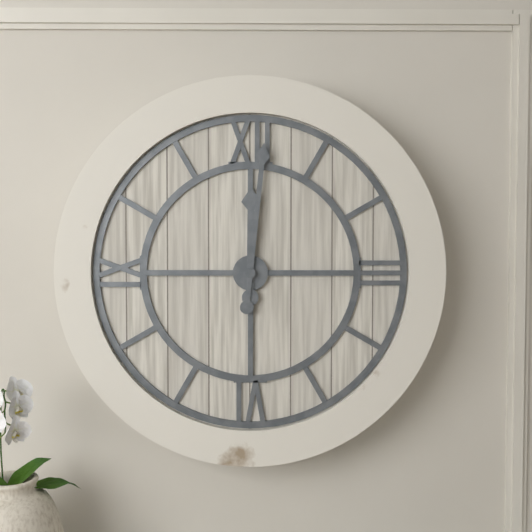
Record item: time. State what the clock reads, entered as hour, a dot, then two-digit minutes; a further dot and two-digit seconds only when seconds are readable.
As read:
12.01
